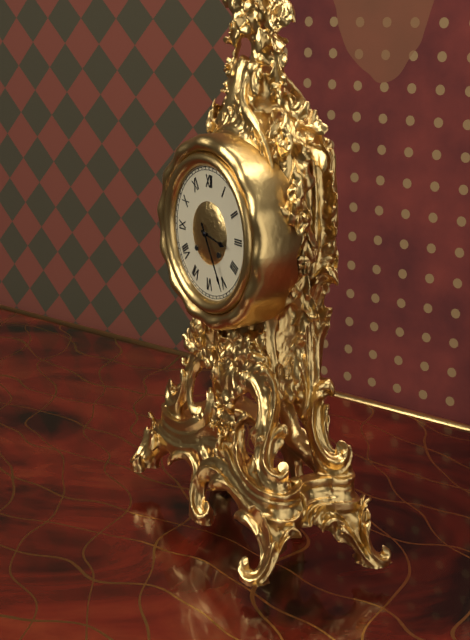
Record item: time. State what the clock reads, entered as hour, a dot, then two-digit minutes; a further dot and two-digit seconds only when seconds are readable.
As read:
3.25
